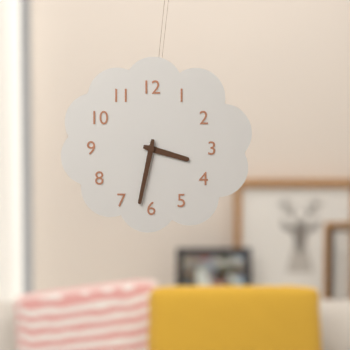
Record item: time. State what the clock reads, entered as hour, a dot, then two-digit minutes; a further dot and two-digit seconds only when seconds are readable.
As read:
3.32
